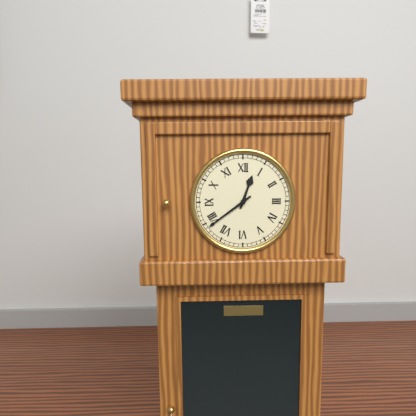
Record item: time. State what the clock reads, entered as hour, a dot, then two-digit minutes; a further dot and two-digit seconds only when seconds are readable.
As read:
12.39
